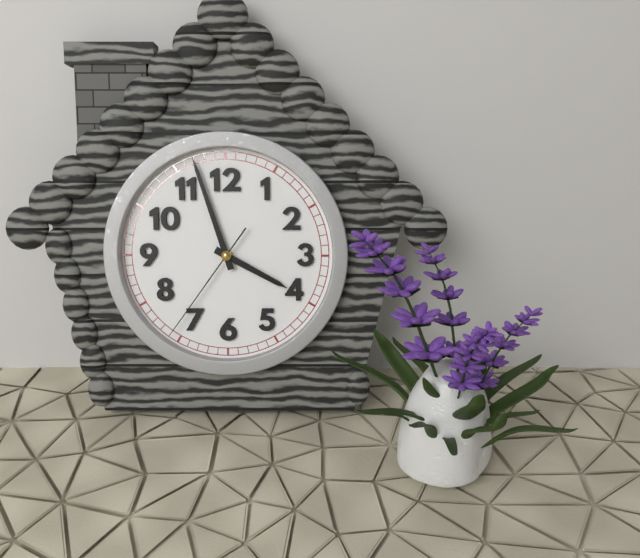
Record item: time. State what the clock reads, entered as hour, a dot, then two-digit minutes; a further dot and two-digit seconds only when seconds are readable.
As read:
3.57.36
